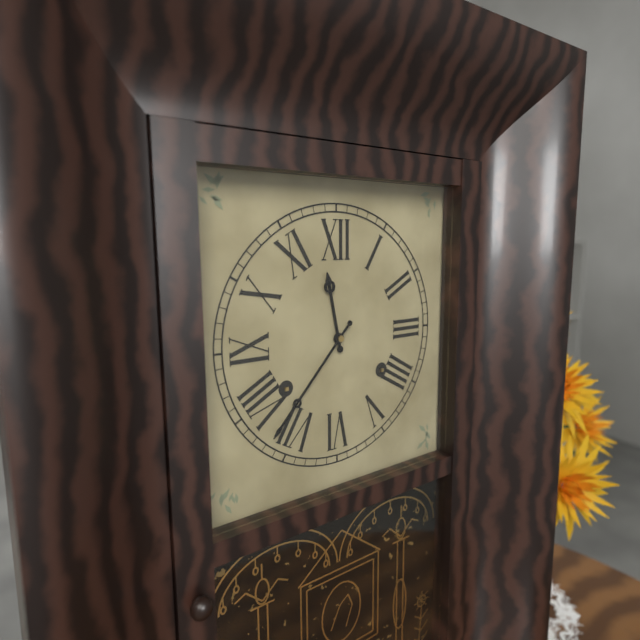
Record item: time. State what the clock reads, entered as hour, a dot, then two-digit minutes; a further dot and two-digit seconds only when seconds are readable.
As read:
11.37
